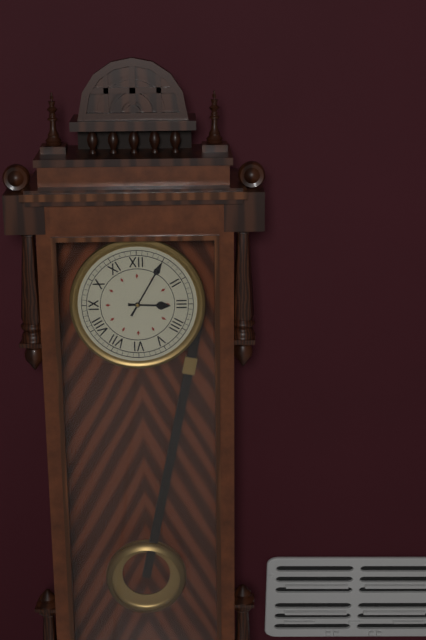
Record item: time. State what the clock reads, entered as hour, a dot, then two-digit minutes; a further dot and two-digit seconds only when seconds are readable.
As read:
3.05
